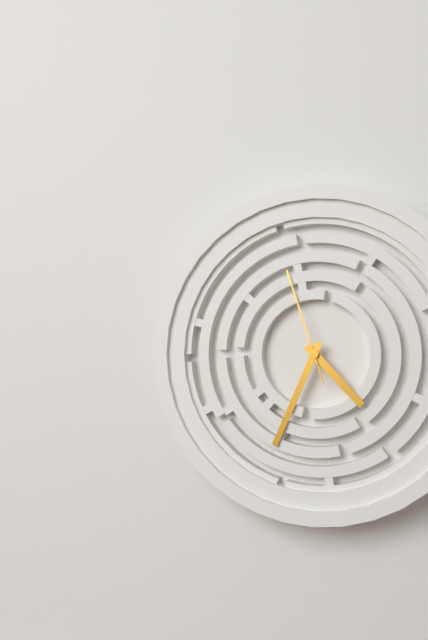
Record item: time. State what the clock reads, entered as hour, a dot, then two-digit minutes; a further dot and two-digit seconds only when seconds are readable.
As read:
4.34.57
